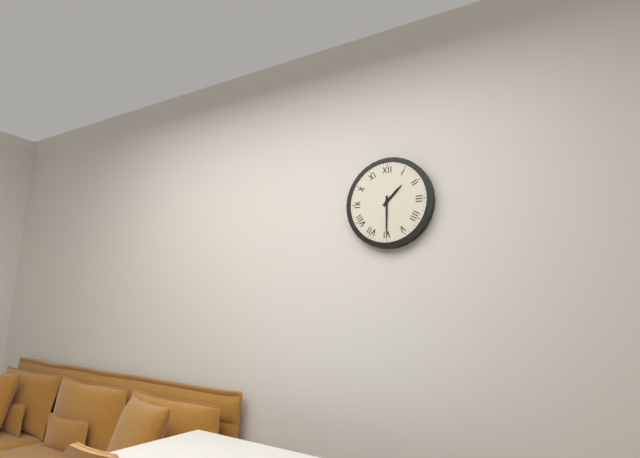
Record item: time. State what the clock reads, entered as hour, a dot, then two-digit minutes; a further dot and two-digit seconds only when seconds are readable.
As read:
1.30
